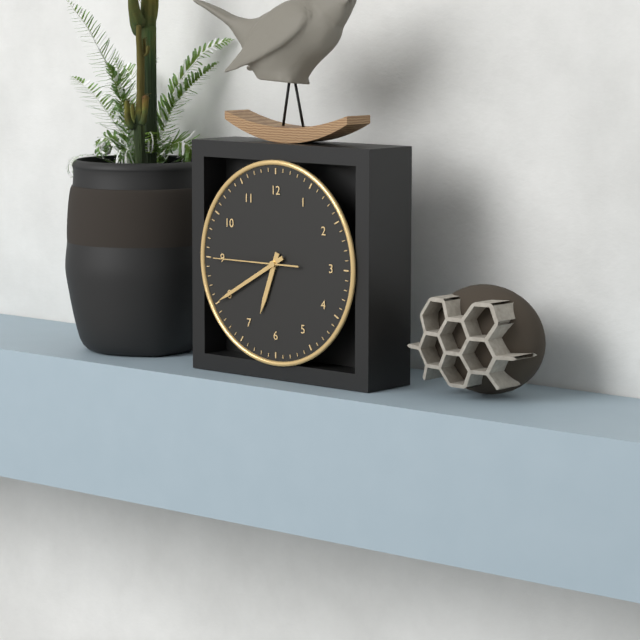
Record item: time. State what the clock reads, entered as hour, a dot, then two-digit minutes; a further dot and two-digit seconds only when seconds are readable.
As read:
6.40.45
